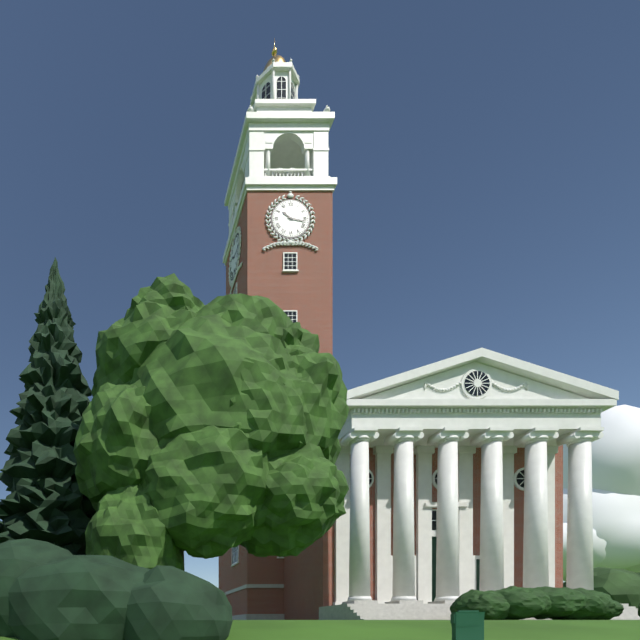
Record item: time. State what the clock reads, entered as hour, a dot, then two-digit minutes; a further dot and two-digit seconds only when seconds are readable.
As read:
10.17
